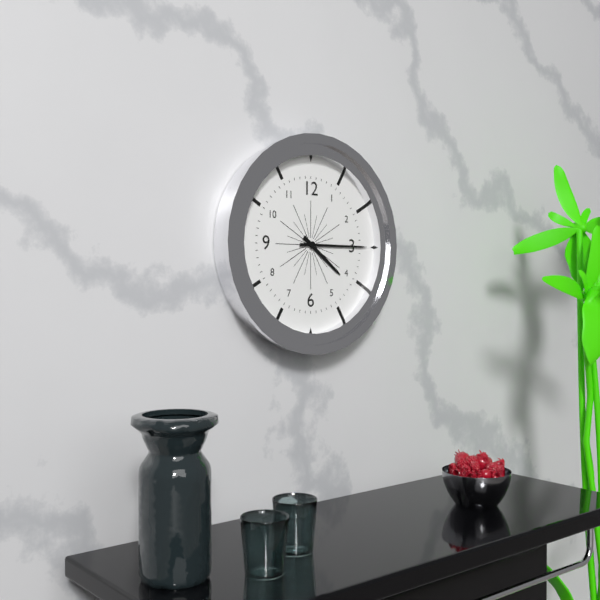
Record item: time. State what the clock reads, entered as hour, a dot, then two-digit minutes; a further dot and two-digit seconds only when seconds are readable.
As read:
4.15
